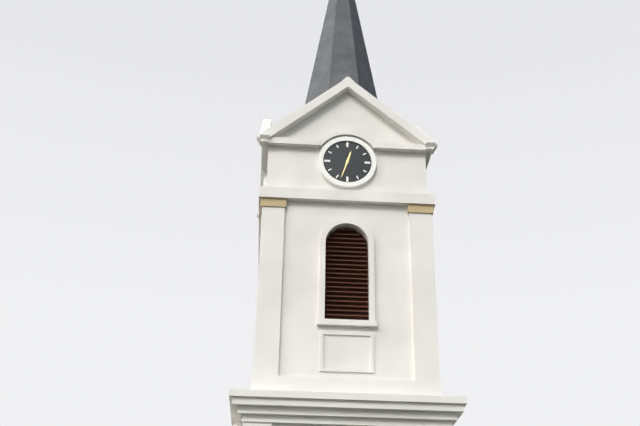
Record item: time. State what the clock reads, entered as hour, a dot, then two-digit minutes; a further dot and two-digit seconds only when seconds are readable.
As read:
12.33
